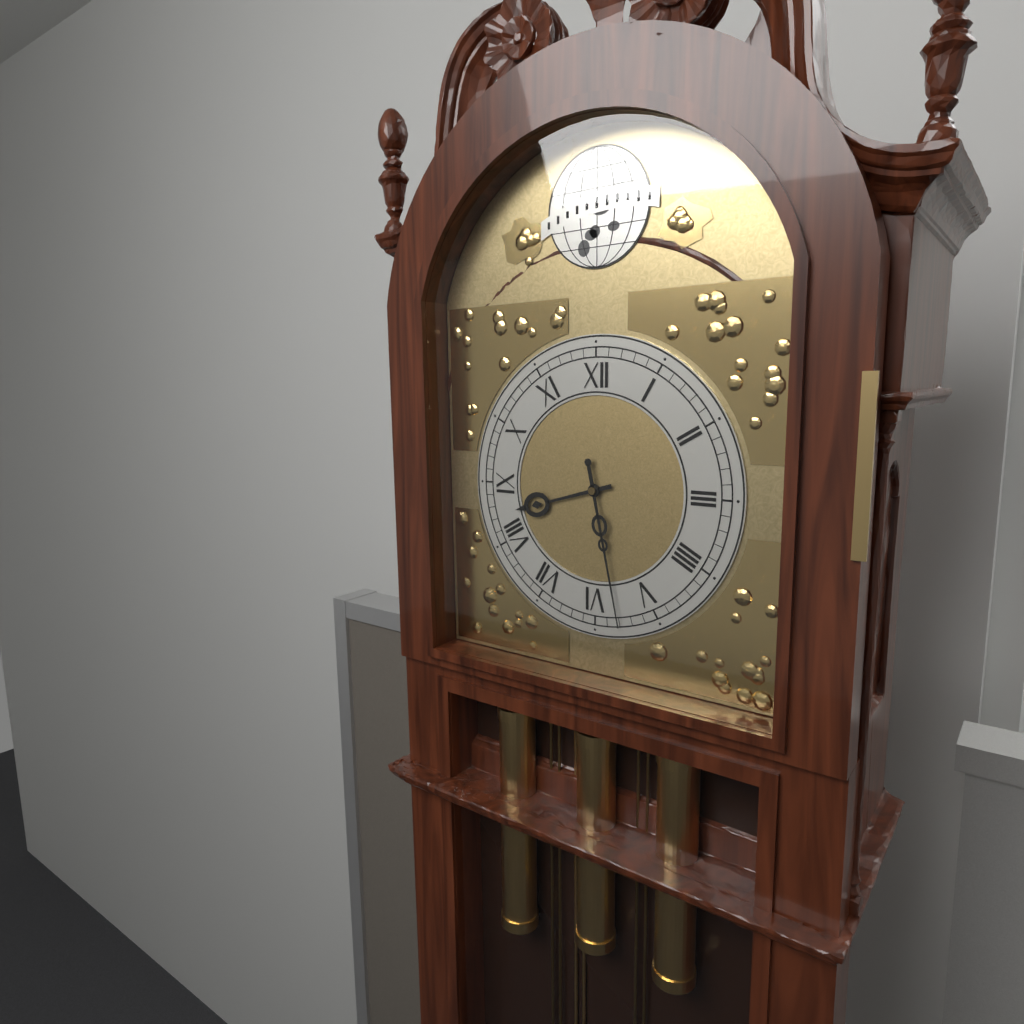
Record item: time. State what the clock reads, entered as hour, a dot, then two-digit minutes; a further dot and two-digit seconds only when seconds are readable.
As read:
8.28
